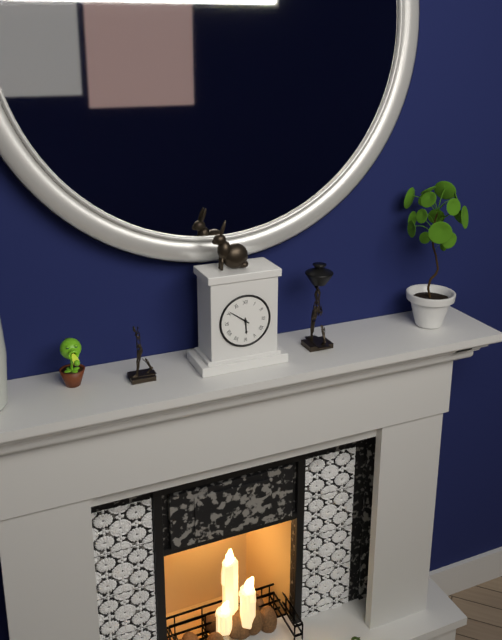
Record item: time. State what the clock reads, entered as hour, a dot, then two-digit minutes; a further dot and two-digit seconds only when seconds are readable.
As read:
5.51
